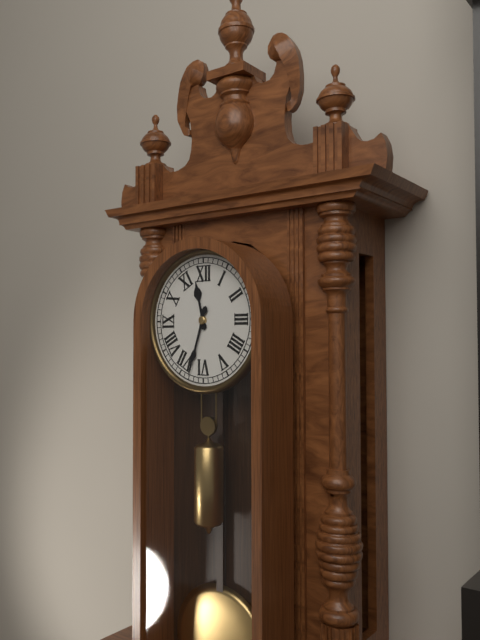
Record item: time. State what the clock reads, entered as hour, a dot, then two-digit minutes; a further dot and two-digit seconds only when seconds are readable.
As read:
11.33
